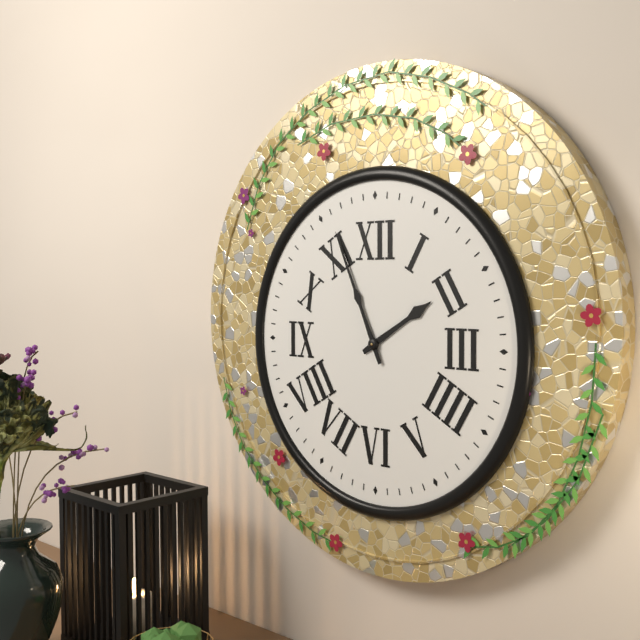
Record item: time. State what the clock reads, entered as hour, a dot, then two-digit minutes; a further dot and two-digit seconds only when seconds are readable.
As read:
1.56
